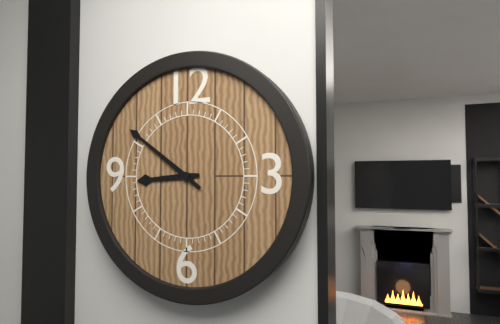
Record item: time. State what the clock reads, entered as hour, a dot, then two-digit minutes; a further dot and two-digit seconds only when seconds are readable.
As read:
8.51
